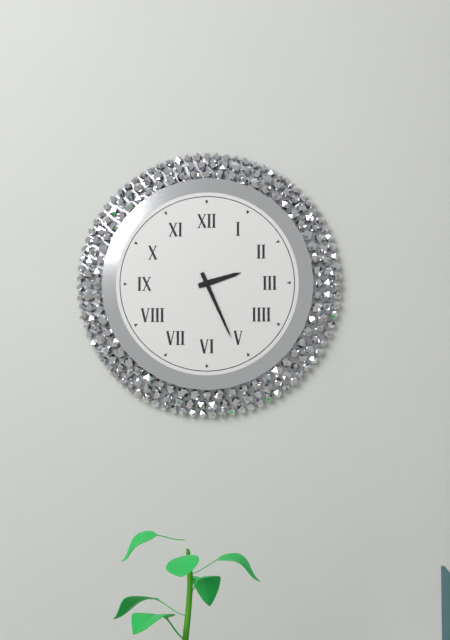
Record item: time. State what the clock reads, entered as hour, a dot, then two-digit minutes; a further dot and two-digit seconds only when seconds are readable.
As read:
2.26
